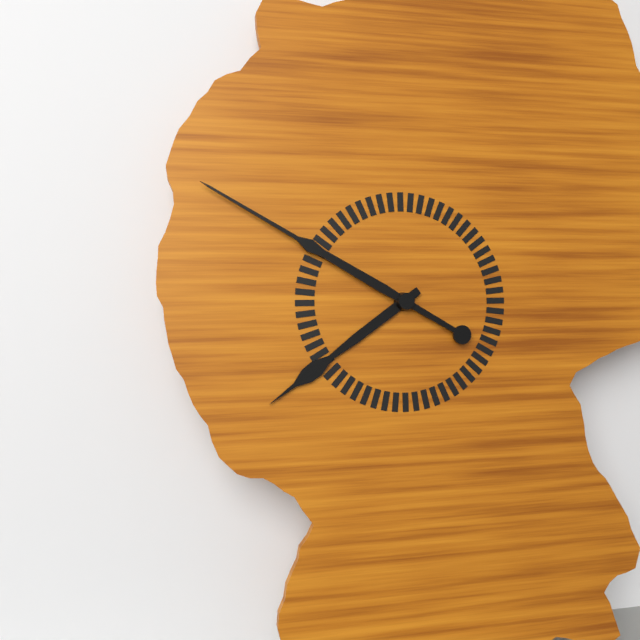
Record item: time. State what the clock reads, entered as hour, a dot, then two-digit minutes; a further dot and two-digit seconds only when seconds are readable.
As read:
7.50
